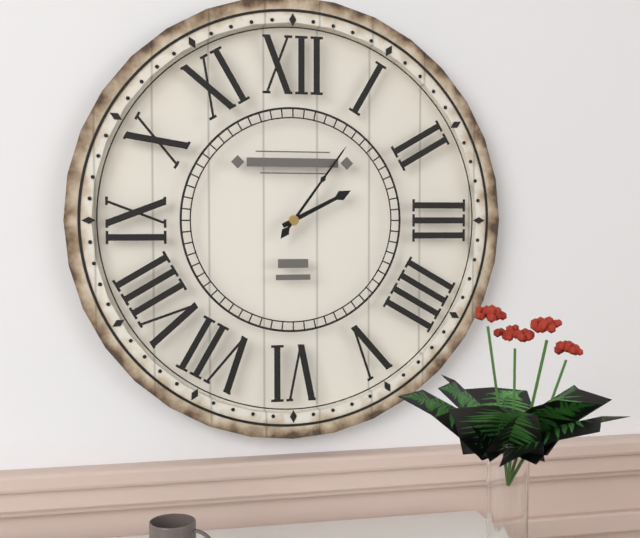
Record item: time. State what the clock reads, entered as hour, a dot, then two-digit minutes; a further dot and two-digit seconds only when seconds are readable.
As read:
2.06
